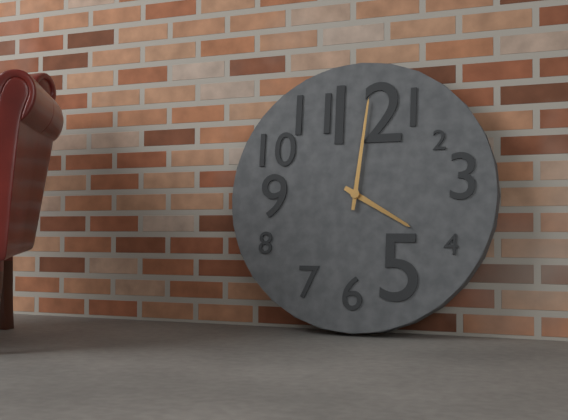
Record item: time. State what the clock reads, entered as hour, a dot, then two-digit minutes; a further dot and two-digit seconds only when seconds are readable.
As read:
4.01
